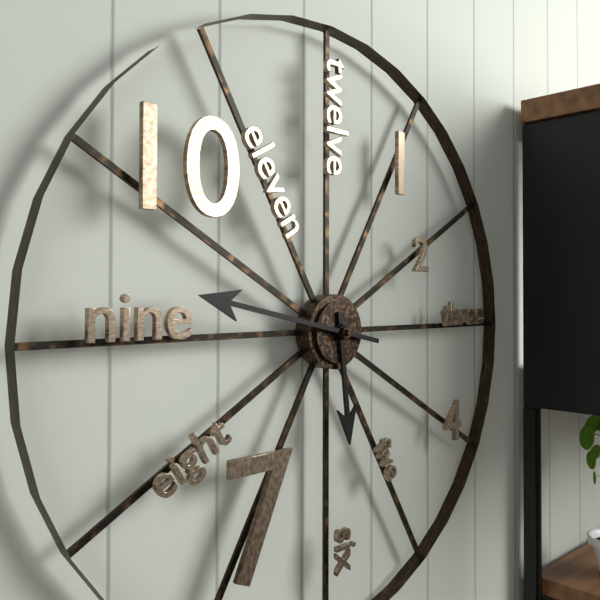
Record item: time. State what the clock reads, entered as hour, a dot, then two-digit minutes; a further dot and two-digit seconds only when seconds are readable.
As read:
5.47
